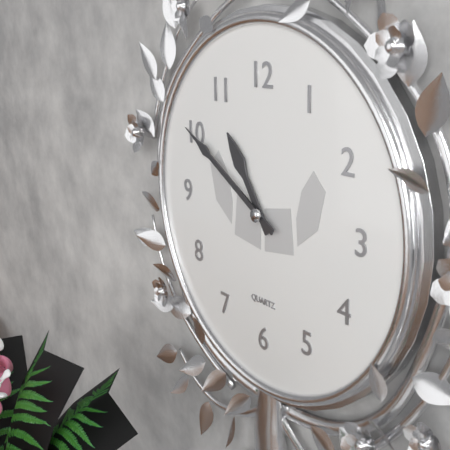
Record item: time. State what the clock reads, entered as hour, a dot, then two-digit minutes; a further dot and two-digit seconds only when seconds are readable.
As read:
10.50
